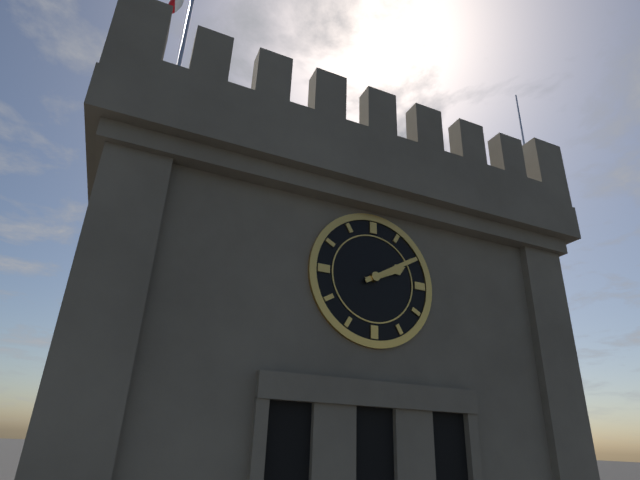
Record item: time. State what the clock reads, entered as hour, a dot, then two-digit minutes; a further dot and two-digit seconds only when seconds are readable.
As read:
2.10
